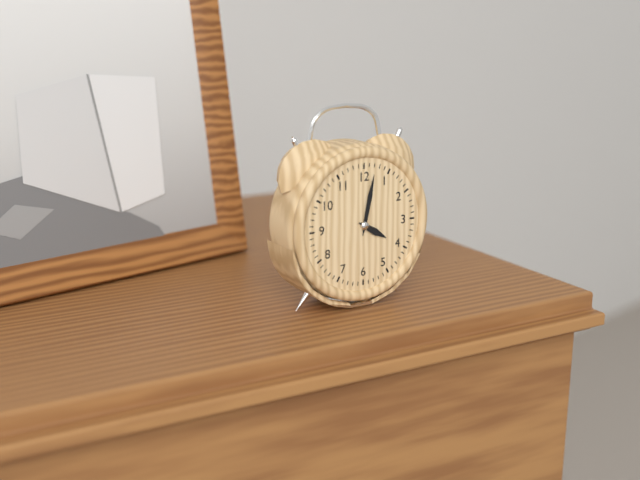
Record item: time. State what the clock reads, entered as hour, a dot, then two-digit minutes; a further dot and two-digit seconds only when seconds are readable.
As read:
4.02
